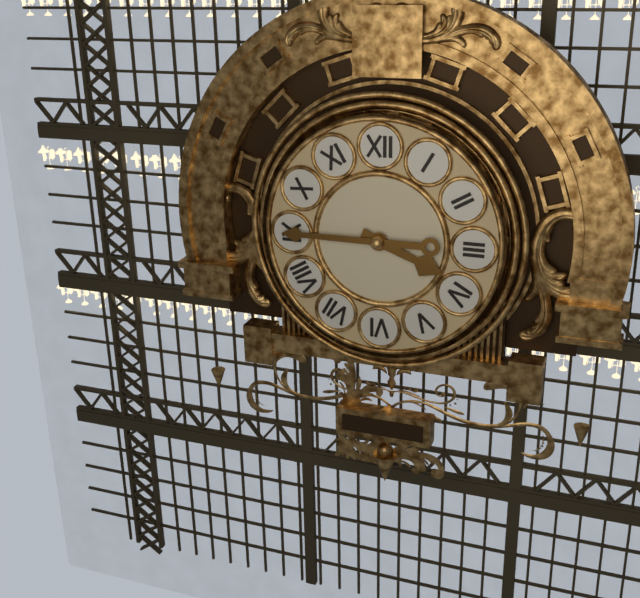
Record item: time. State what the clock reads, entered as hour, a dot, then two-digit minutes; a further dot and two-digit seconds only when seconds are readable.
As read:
3.45
